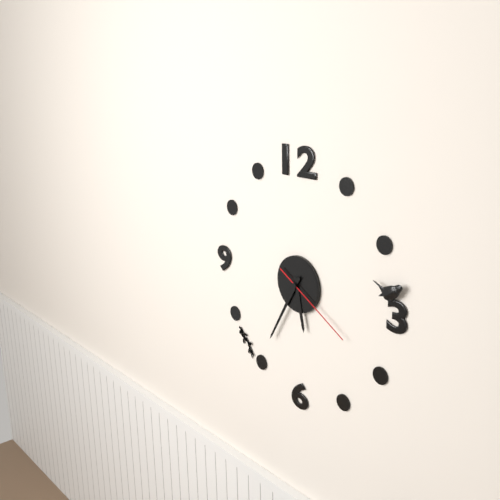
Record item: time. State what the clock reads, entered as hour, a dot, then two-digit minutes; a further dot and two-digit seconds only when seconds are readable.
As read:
5.35.20
